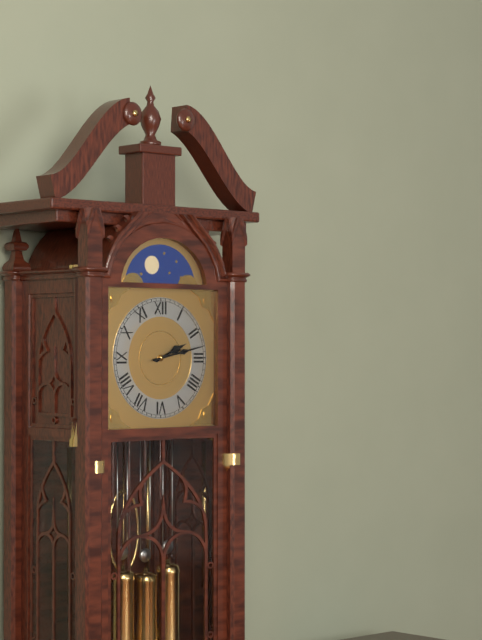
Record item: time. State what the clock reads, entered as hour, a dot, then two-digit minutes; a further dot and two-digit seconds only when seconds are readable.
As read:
2.13
